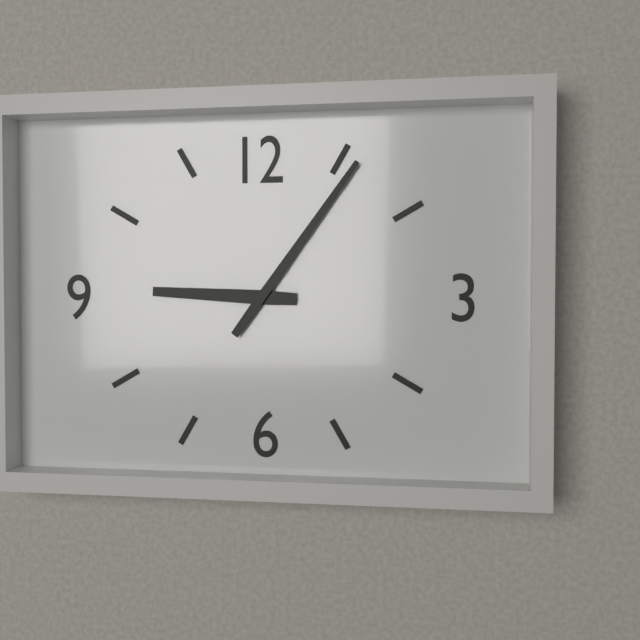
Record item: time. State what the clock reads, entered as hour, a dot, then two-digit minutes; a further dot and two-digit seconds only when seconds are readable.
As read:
9.06
